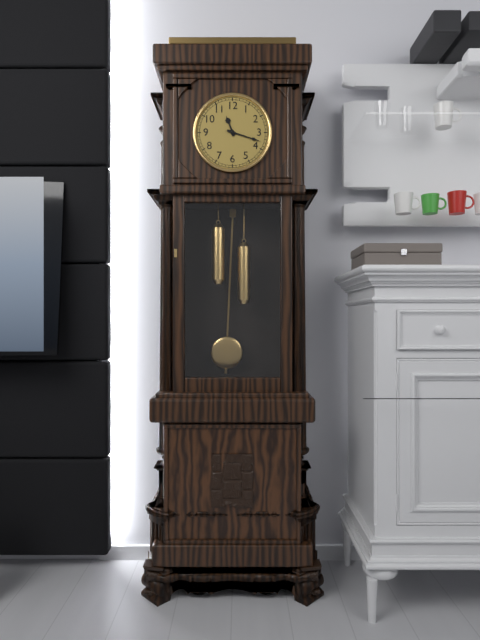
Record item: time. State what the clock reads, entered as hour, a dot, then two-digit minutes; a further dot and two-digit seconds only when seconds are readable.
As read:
11.18
